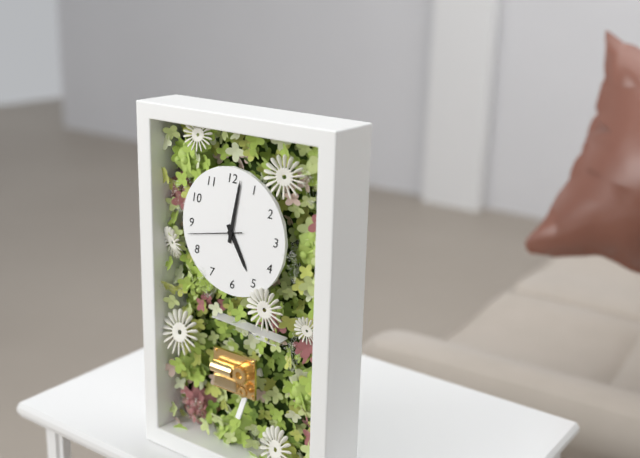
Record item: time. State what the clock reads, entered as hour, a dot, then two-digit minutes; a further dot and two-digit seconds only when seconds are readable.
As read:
5.02.43
